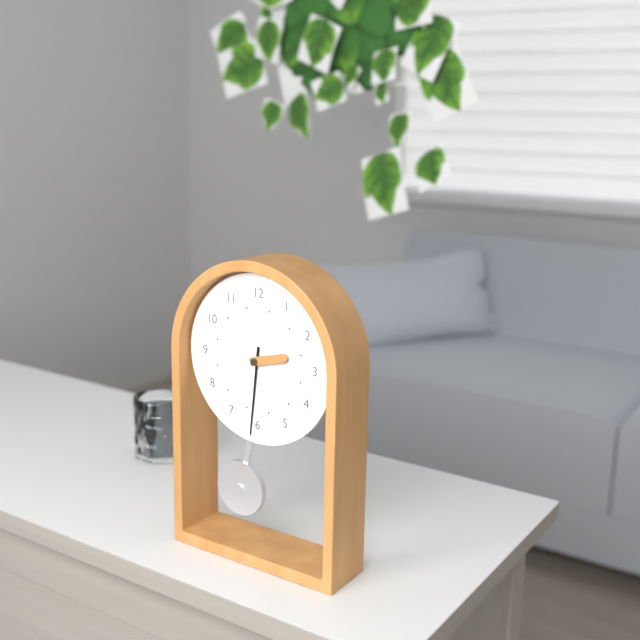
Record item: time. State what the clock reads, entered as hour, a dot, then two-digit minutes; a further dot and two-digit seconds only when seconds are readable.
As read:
2.31
